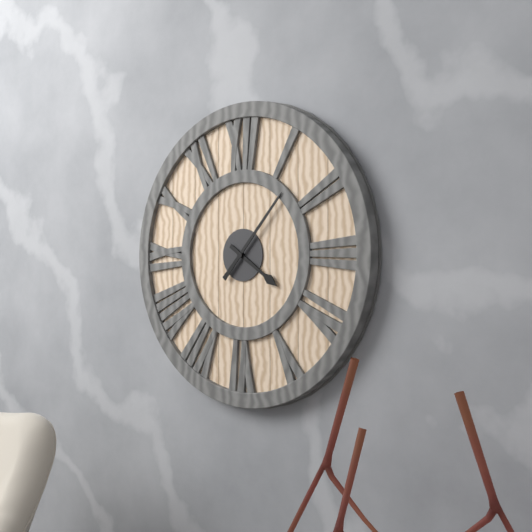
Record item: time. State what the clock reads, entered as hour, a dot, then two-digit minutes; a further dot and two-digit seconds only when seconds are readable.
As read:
4.07
